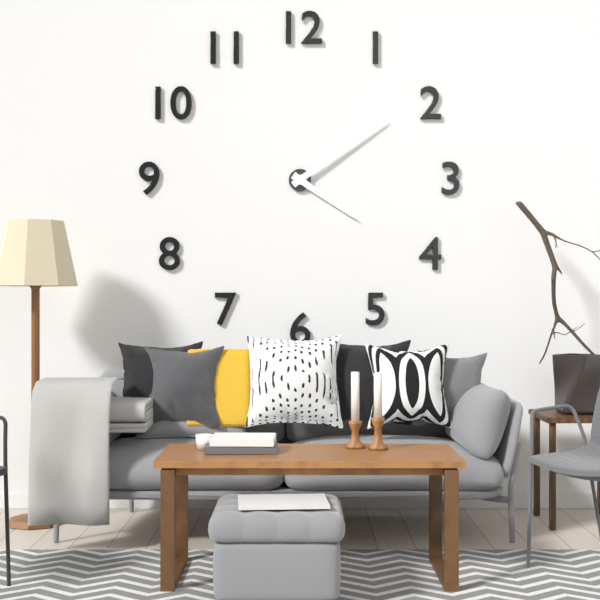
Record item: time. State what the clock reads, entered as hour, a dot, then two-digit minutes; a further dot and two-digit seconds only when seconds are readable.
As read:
4.09
